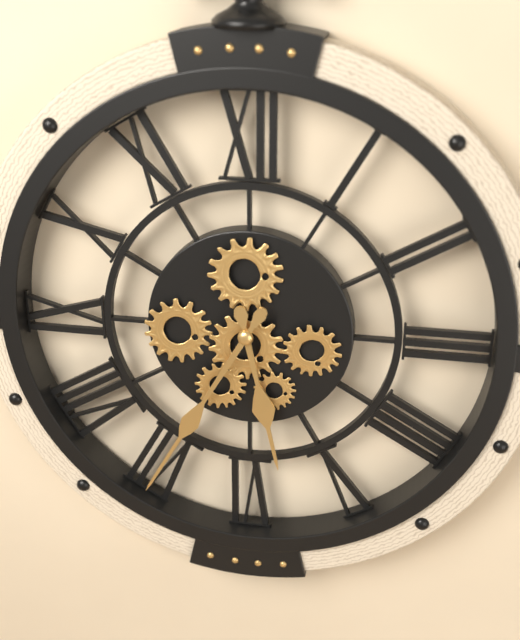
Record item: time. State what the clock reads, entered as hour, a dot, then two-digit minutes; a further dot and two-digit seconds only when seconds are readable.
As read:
5.35
